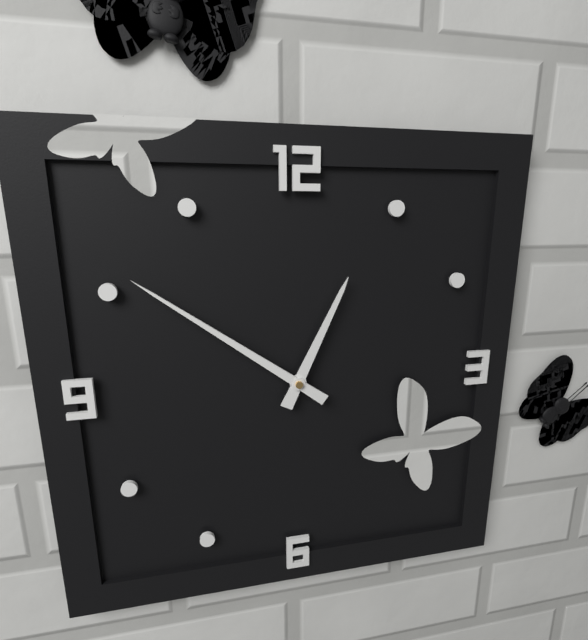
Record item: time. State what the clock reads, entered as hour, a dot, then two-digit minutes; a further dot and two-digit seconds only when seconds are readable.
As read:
12.51
